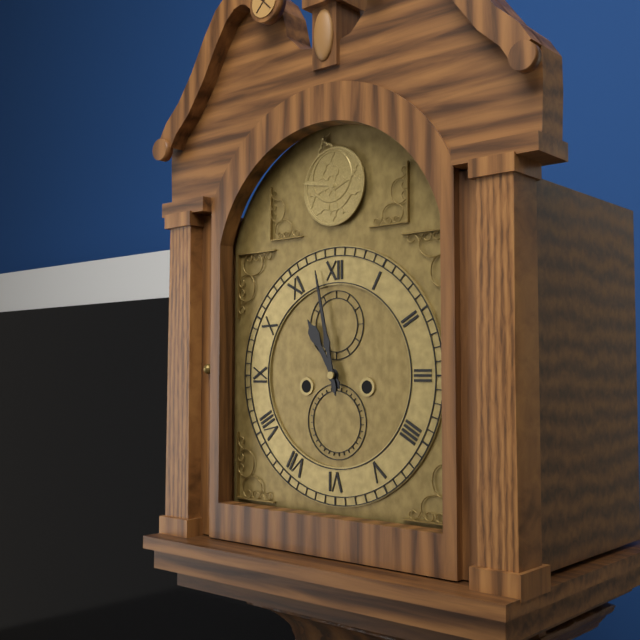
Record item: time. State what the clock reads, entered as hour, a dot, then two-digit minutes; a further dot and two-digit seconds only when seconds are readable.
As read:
10.58
